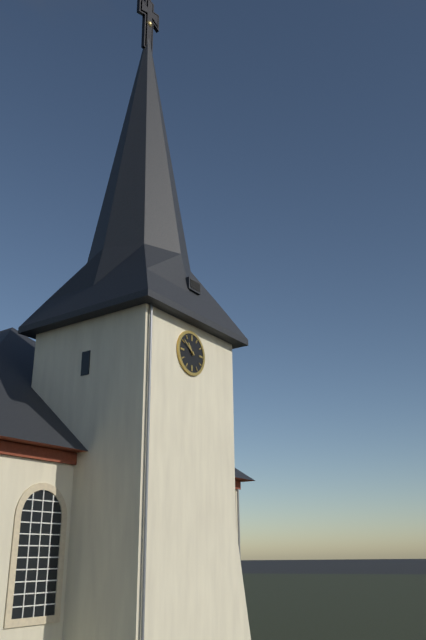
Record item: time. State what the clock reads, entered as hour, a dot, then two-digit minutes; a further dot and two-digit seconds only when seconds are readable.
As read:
10.51
